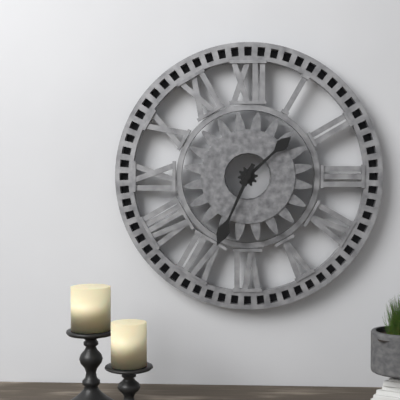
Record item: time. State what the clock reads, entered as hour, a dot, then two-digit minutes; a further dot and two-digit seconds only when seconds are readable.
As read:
1.34
